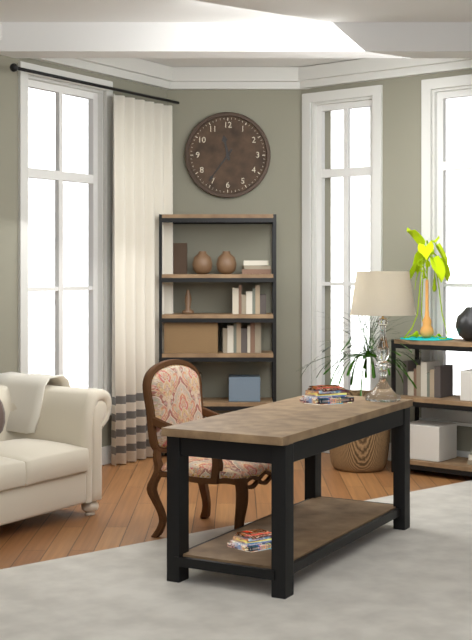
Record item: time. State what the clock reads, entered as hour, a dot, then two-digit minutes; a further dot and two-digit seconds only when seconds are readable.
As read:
11.36
